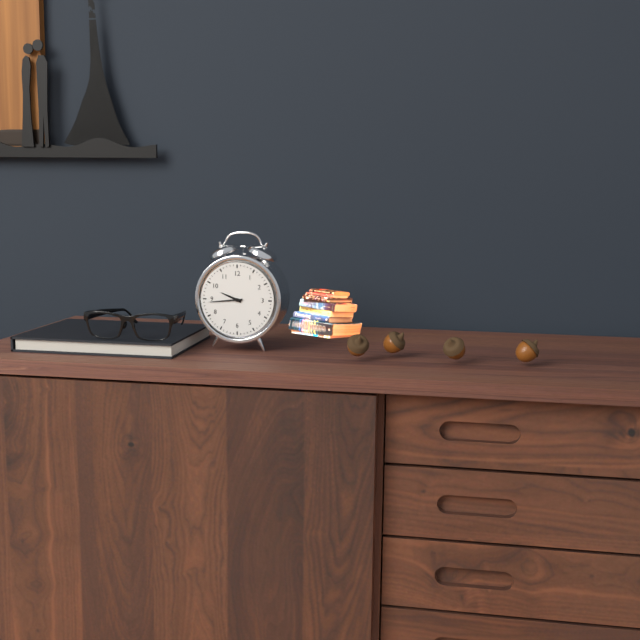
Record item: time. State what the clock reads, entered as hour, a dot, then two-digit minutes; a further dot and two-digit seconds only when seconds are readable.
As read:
9.44
